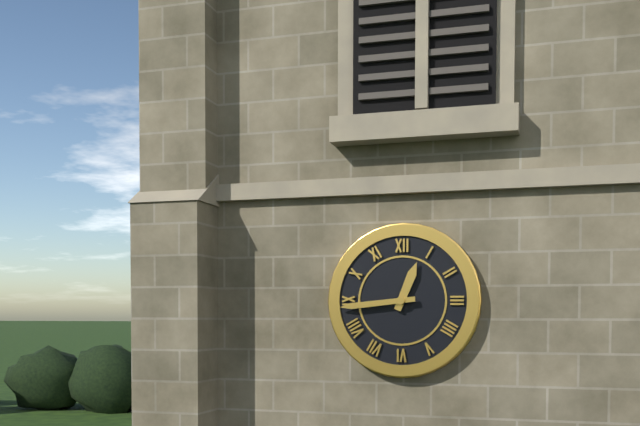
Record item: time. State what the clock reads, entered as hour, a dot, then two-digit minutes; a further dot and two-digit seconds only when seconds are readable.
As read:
12.44
